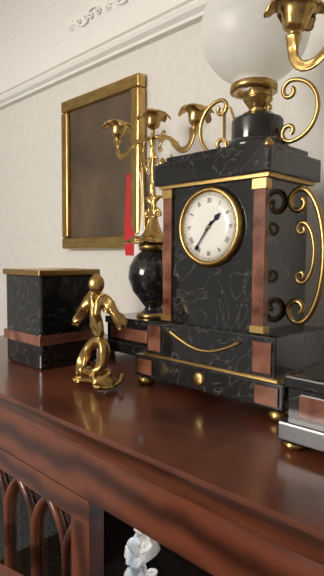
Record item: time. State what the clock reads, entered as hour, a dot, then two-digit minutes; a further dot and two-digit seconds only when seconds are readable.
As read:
1.36
